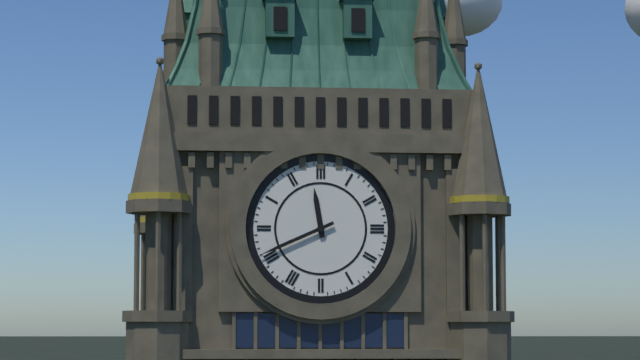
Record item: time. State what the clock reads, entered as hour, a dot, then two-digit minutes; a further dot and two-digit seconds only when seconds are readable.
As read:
11.41
